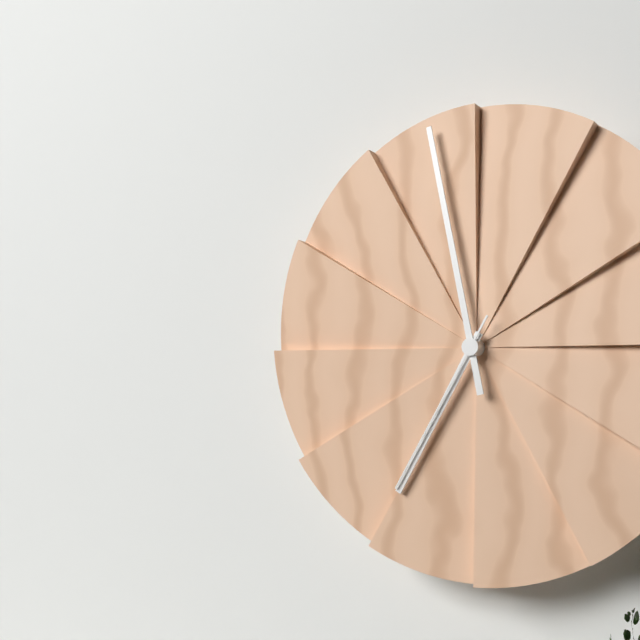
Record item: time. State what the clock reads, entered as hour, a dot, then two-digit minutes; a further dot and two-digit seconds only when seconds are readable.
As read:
6.58.35
